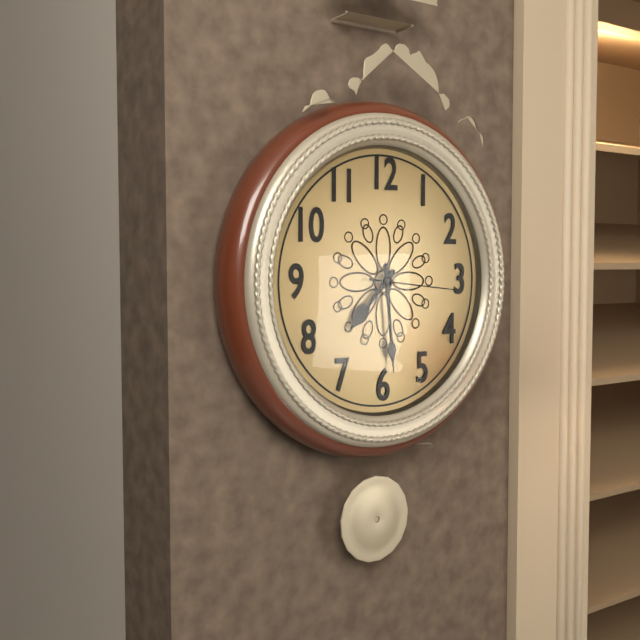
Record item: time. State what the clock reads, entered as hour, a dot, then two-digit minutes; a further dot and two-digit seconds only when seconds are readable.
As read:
7.29.16
